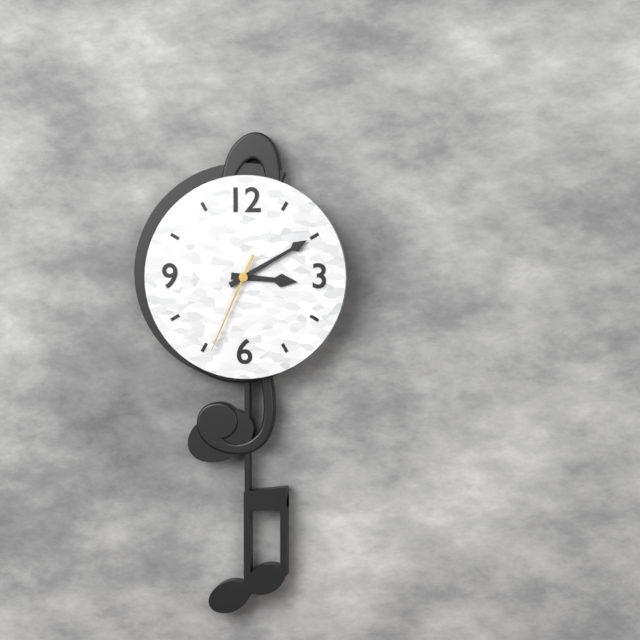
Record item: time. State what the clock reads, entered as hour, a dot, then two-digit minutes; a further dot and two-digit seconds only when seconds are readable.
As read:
3.10.34
